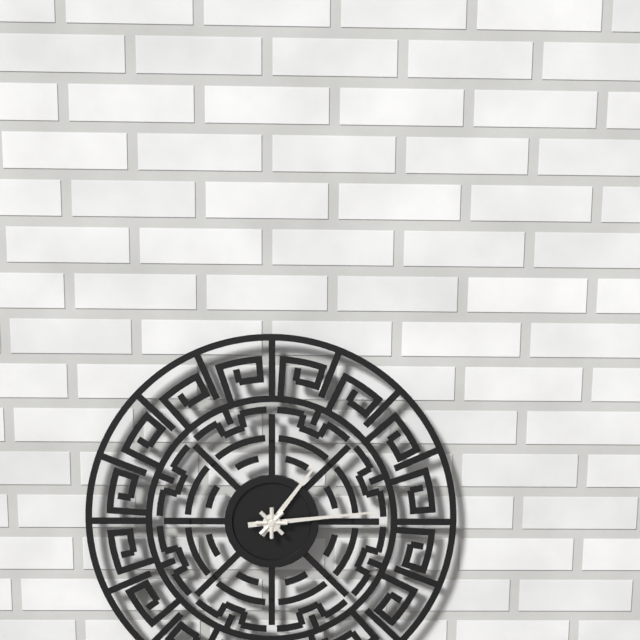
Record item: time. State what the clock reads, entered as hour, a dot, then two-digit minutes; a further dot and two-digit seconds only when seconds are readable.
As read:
1.14
